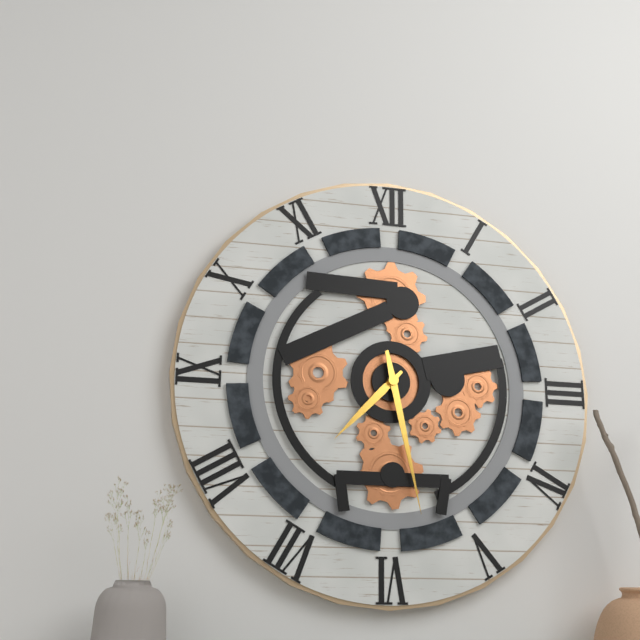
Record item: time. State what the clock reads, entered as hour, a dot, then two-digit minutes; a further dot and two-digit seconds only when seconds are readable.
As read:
7.28
